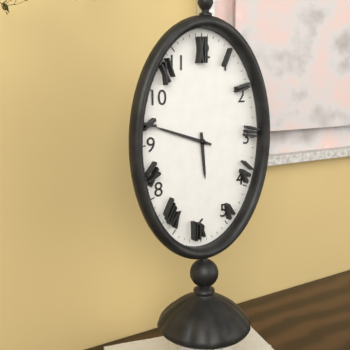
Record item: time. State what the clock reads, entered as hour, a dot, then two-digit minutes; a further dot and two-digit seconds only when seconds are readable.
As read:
5.48
